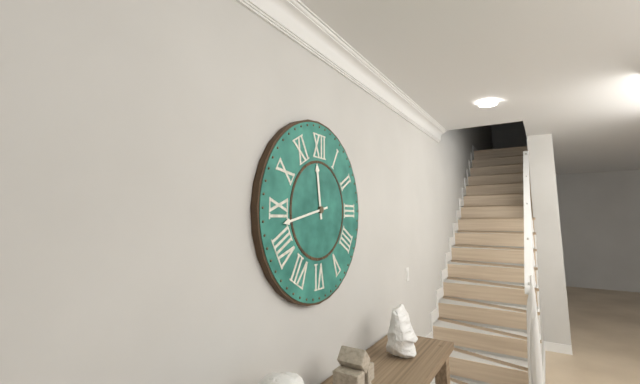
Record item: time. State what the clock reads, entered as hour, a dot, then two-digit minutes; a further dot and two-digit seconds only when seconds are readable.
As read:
11.43
